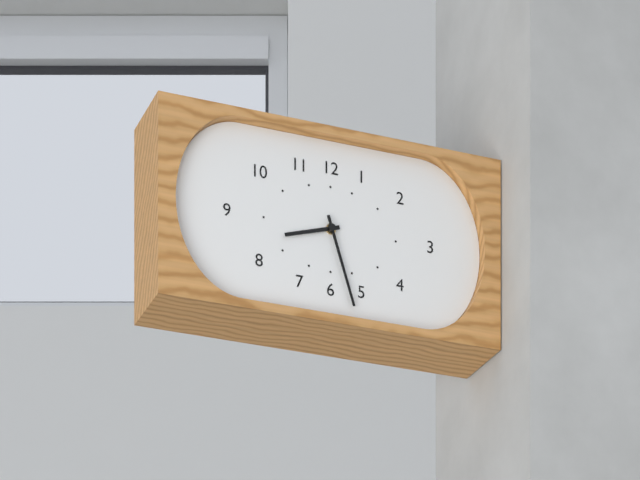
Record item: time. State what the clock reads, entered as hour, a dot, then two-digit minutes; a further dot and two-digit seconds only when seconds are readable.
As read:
8.27
